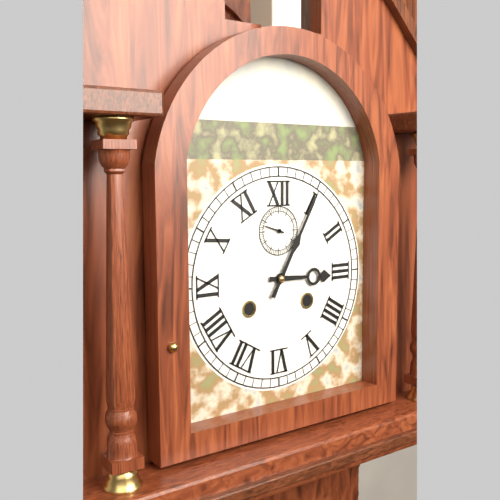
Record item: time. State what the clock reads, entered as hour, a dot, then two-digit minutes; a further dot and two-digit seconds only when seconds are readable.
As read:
3.05
